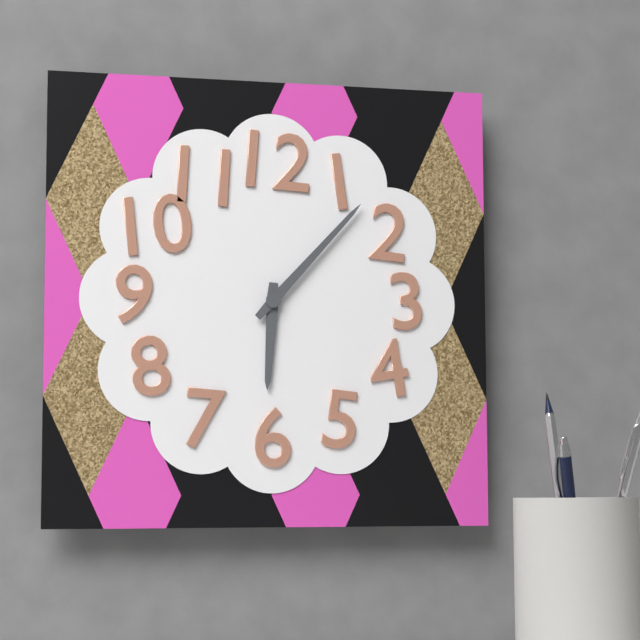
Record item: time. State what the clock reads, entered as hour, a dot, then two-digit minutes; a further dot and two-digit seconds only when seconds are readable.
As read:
6.07
